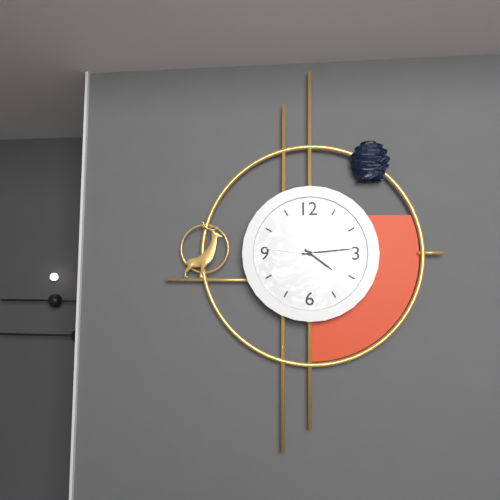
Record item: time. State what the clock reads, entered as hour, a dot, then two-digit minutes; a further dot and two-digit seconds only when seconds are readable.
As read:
4.14.46
